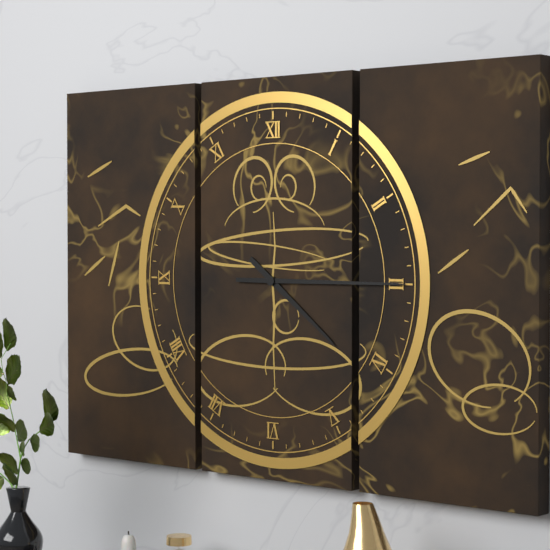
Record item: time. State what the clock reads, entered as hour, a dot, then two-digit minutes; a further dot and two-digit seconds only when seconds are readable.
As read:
4.15
